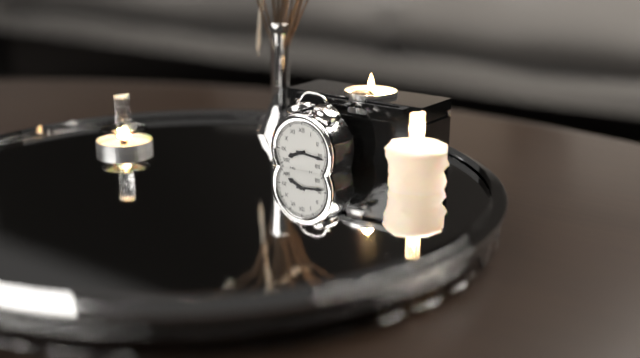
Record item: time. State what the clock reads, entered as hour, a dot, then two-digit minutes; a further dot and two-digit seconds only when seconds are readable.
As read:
8.16
